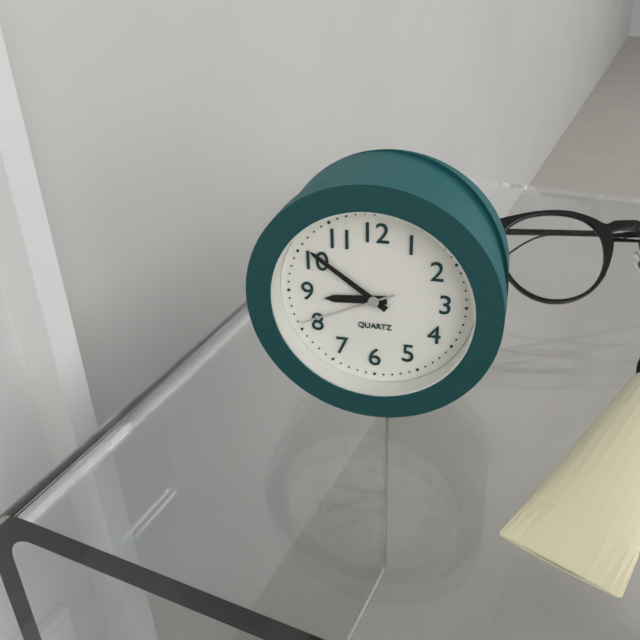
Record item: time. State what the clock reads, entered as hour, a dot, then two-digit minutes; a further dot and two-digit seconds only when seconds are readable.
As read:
8.51.41
